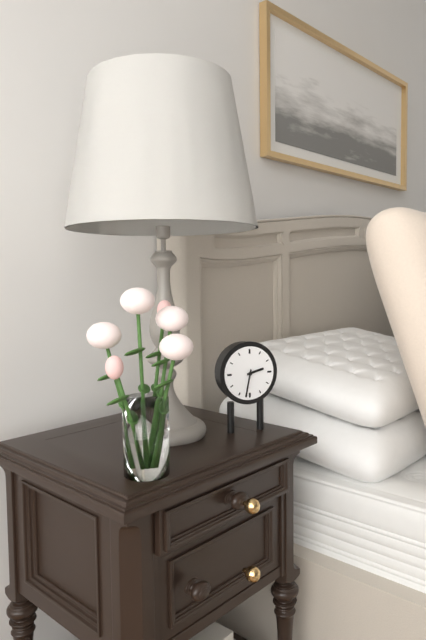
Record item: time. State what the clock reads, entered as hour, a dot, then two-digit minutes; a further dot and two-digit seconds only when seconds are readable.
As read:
2.32
